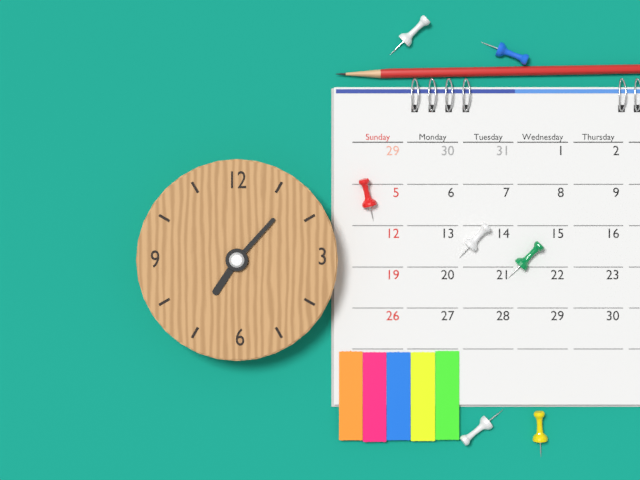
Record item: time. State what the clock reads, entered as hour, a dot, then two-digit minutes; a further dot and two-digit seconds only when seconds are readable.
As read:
7.07
